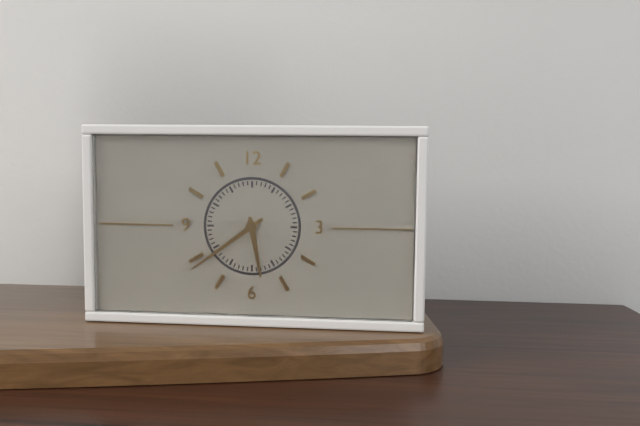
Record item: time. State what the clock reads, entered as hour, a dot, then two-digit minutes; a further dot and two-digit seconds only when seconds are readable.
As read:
5.39
